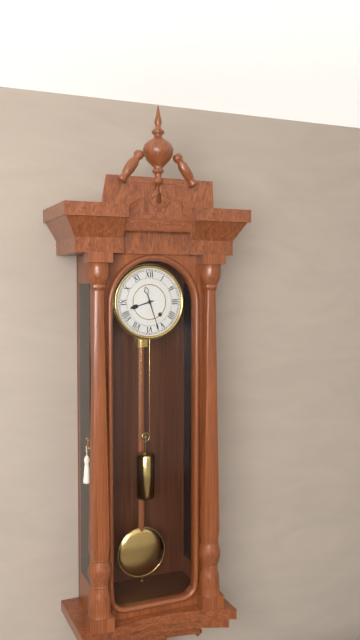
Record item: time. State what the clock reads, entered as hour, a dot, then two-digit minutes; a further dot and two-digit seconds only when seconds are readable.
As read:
8.27
